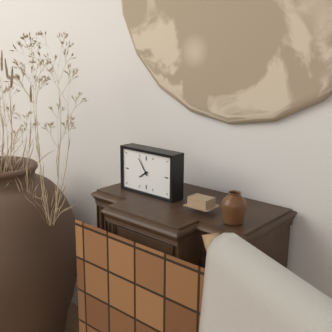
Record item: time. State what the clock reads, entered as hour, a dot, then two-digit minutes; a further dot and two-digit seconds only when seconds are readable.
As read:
7.54
